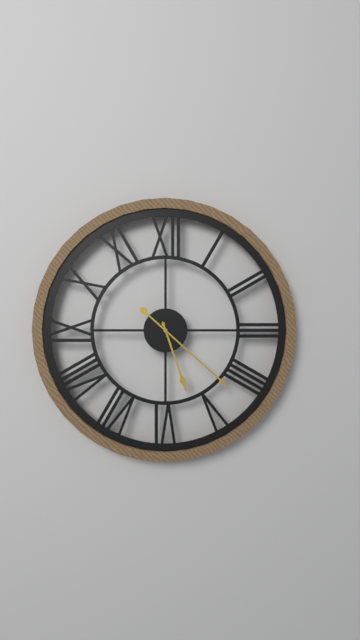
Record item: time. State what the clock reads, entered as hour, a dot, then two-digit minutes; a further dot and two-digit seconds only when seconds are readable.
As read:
5.22
